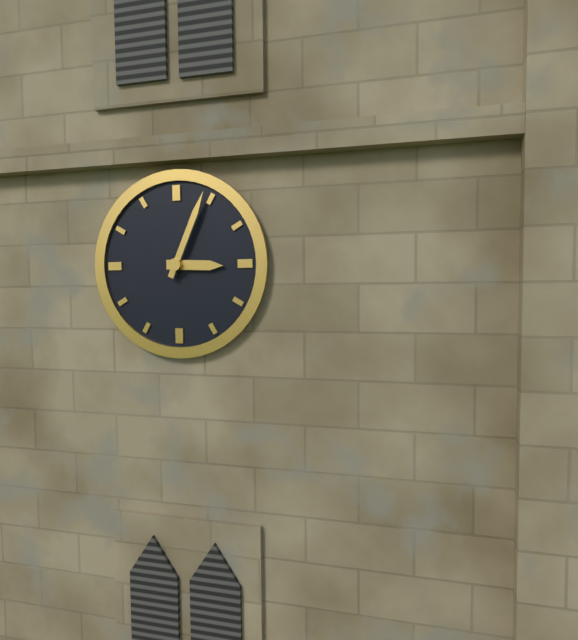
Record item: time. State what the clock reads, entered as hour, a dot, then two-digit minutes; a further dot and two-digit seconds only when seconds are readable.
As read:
3.04
